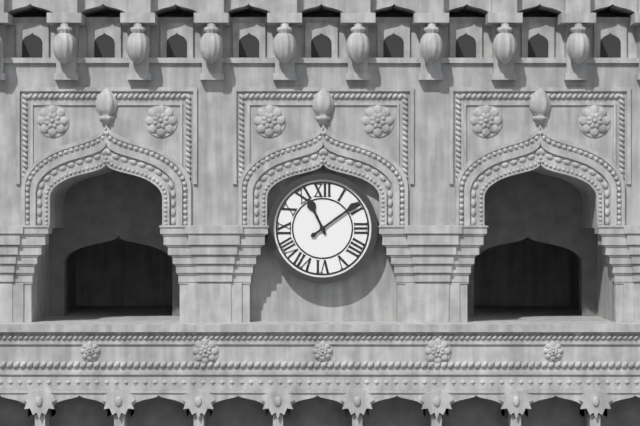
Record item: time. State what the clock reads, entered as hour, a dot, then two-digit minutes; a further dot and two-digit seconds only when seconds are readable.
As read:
11.09
